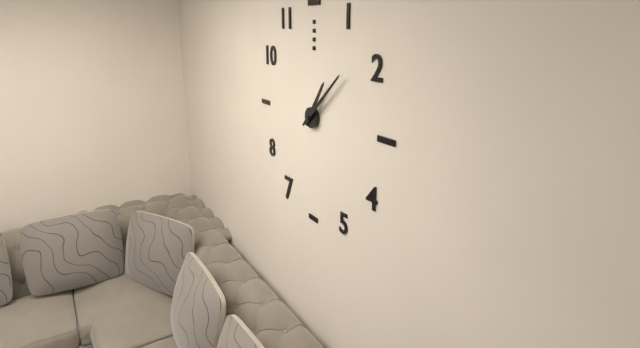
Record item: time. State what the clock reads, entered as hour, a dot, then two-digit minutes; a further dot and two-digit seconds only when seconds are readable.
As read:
1.08
